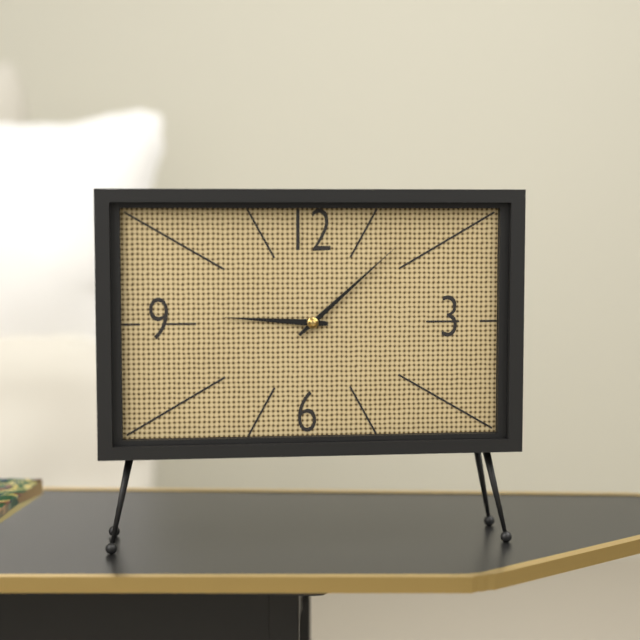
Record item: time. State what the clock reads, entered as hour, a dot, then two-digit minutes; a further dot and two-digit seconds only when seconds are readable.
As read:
9.08
